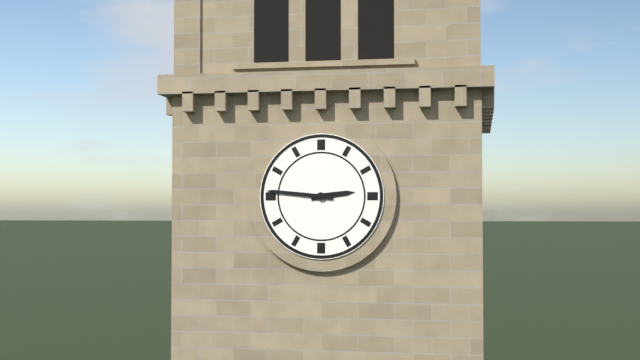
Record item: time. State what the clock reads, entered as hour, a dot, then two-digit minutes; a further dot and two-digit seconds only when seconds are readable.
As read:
2.46
